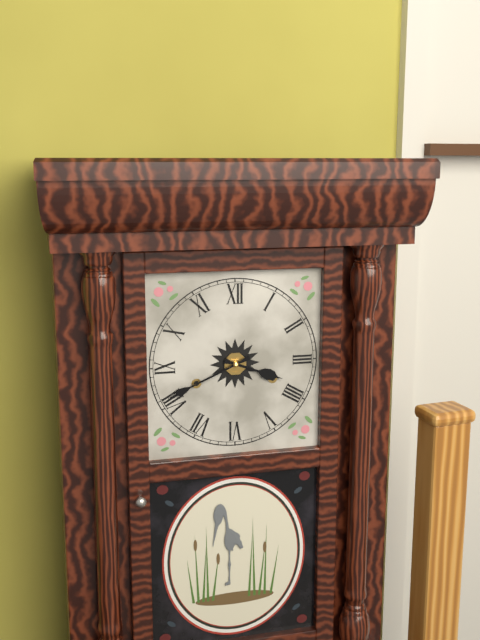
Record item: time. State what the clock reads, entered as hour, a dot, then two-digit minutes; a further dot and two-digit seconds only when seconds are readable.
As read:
3.41
